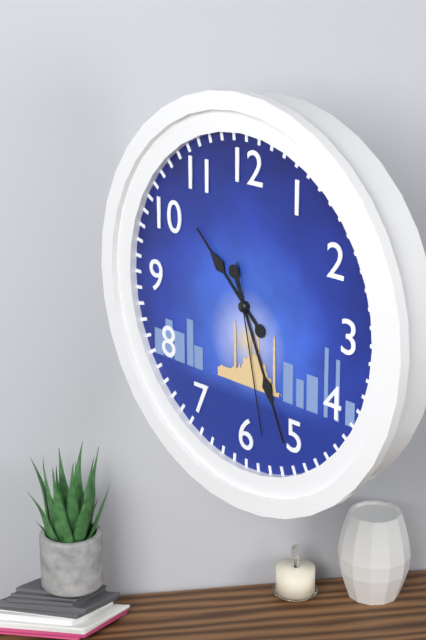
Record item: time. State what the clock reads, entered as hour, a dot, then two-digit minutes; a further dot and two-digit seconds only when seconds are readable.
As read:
10.26.28
